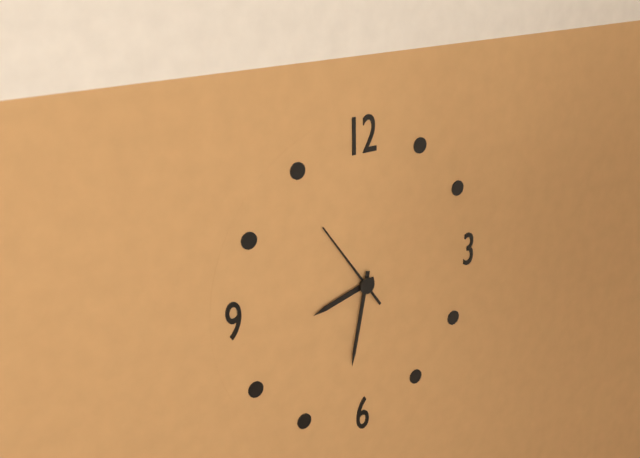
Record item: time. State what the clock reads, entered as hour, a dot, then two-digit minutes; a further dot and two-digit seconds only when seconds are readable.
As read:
8.32.54
